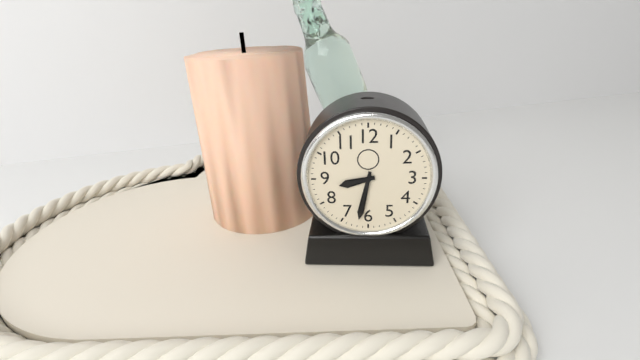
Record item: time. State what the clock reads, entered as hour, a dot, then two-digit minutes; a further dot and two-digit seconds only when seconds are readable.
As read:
8.32
